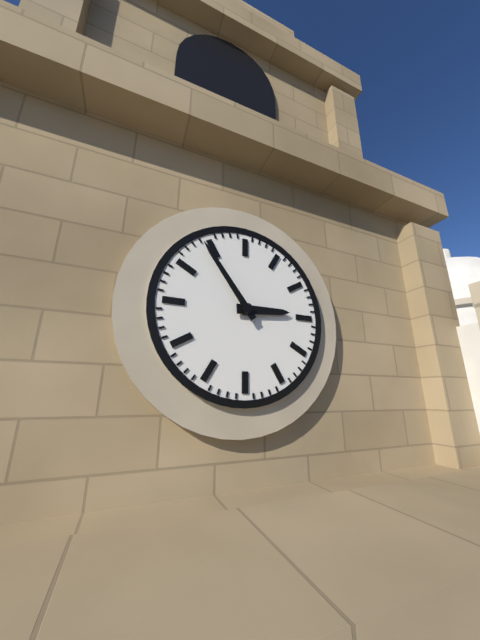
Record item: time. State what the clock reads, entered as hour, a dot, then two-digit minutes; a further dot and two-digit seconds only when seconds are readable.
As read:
2.54
